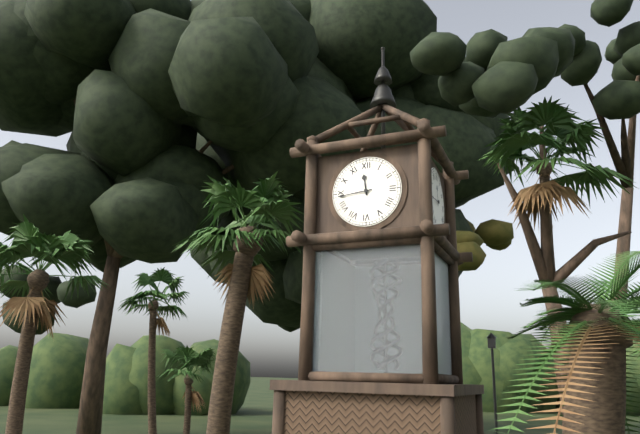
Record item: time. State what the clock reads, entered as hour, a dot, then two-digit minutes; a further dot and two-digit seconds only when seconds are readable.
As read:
11.44
